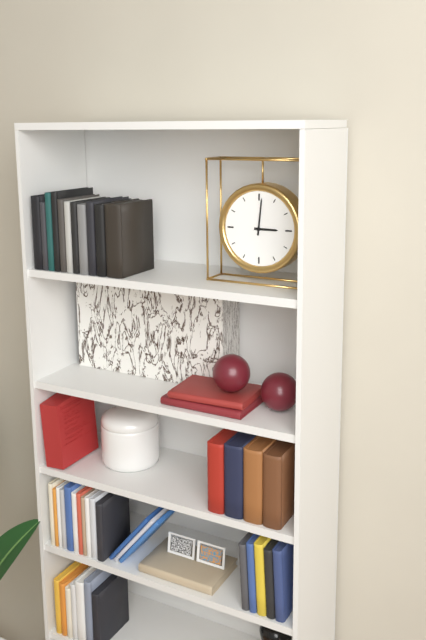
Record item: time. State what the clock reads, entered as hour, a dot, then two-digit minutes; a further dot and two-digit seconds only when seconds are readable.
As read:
3.01
